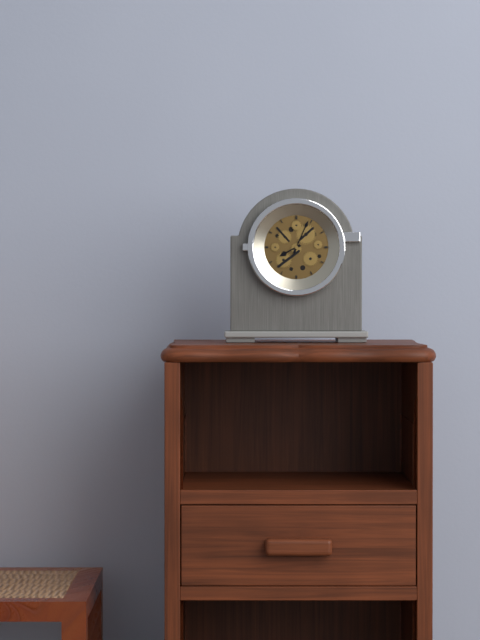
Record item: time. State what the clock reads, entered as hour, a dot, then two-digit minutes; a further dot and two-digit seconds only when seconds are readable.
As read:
8.04
